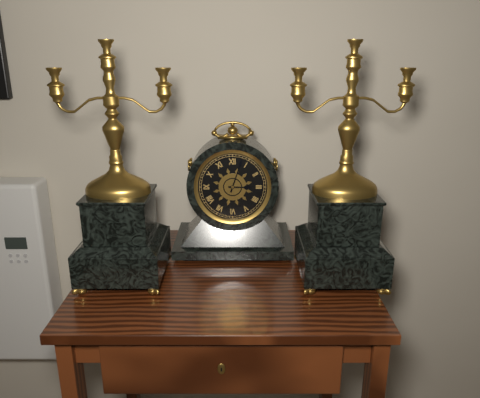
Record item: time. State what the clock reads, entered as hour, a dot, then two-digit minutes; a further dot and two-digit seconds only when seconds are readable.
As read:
3.03
